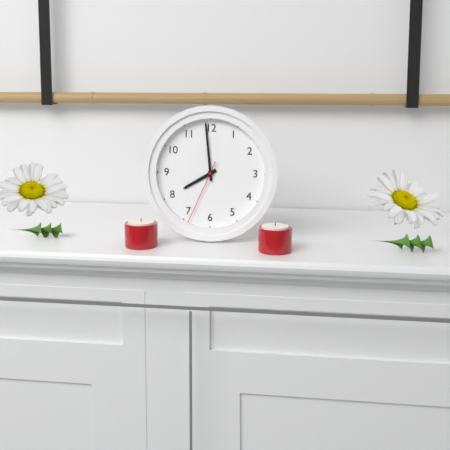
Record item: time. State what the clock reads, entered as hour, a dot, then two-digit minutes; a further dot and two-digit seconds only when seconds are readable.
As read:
7.59.34
